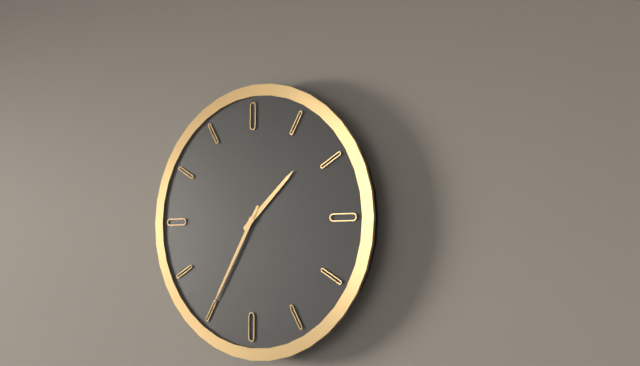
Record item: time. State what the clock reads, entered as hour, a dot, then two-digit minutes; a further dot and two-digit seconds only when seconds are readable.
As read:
1.35
